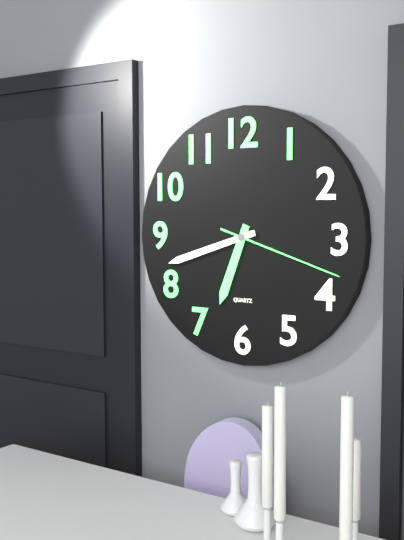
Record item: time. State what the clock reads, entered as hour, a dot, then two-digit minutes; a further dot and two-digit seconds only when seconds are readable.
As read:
6.42.18
